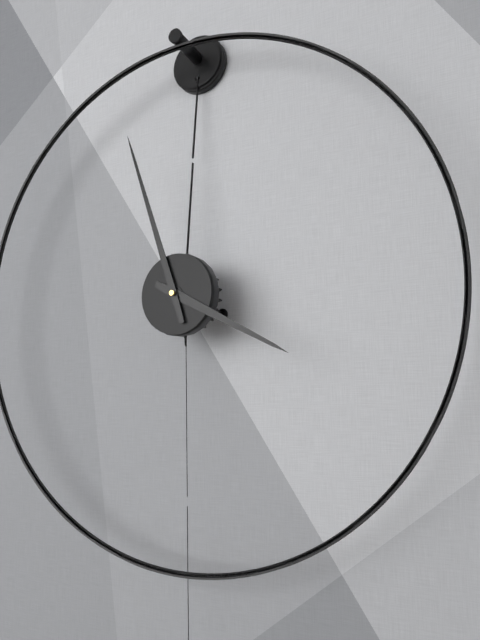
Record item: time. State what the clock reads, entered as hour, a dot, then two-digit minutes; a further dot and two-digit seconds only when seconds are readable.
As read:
3.57
